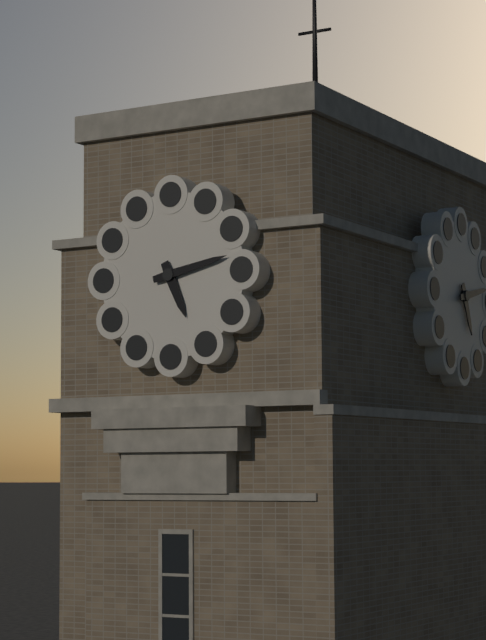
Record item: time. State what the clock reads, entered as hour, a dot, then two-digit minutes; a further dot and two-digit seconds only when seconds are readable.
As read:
5.13
